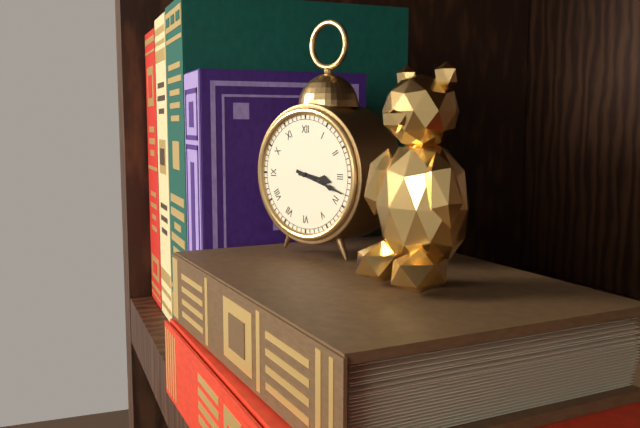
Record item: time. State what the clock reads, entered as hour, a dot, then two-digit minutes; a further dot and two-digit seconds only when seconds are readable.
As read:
3.18
